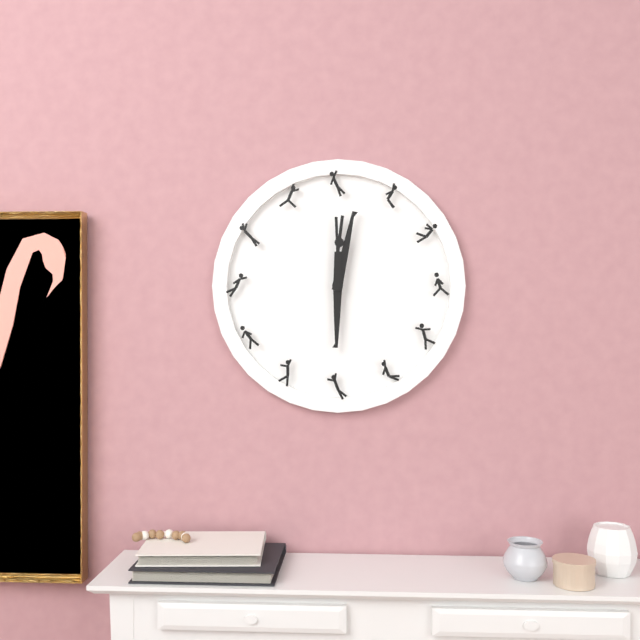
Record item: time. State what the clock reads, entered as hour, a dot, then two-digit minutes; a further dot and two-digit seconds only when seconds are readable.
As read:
6.02
